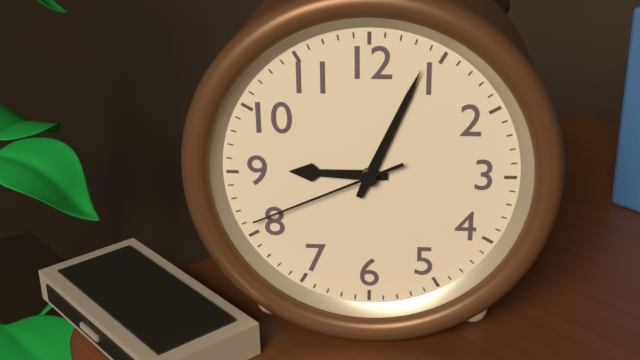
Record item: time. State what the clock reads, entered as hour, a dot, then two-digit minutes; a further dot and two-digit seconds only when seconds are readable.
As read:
9.04.41
